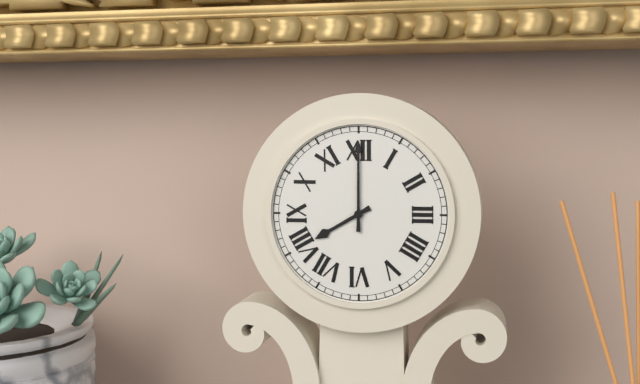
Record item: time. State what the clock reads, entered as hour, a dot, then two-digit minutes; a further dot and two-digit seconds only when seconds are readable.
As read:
8.00
